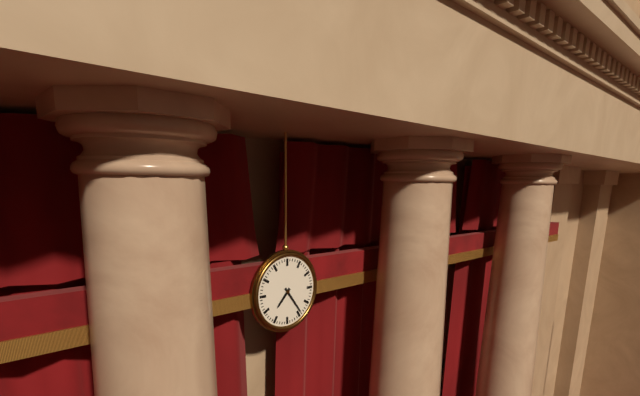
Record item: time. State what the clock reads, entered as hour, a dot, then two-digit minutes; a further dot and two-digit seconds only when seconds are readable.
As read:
7.24
